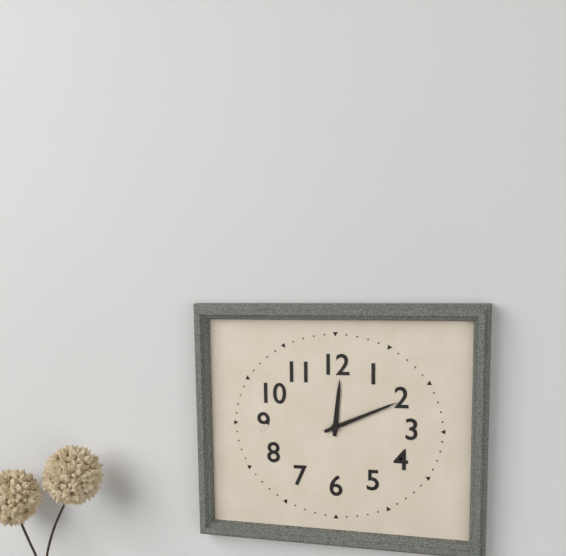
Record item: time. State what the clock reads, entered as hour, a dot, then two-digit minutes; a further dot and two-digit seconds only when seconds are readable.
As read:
12.11
